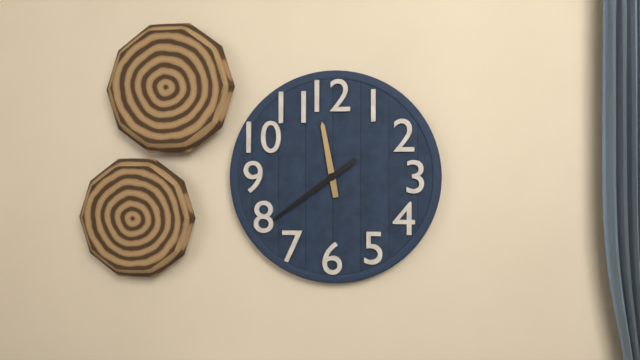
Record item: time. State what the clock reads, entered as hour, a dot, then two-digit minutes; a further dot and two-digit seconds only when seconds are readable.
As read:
11.39
